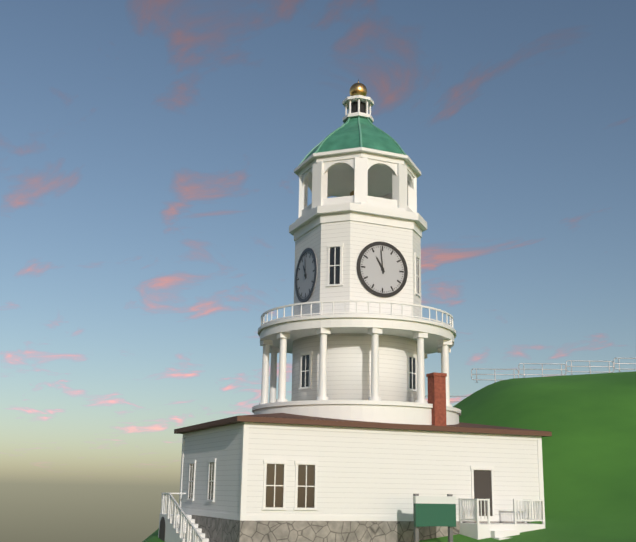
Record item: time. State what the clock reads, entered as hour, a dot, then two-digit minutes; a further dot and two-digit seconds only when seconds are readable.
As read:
10.59
